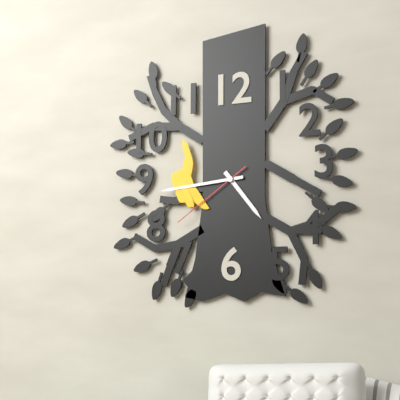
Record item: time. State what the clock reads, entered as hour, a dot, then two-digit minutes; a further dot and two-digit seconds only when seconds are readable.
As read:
4.44.39
